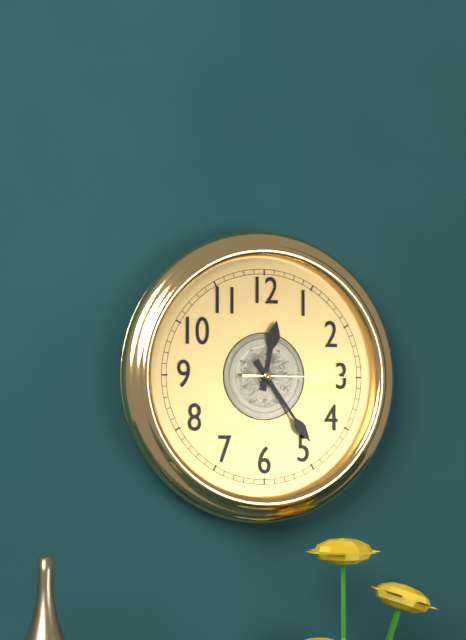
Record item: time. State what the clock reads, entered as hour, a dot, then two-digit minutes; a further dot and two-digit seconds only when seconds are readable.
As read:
12.24.15
